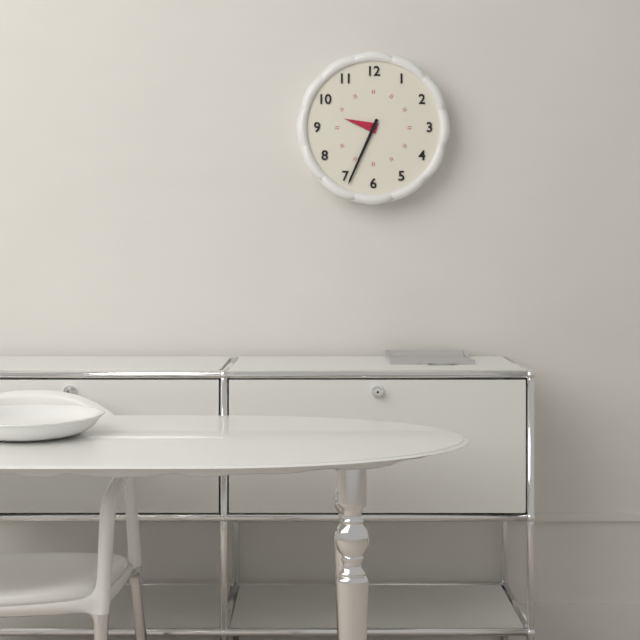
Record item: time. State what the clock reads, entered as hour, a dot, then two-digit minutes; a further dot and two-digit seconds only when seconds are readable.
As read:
9.34
